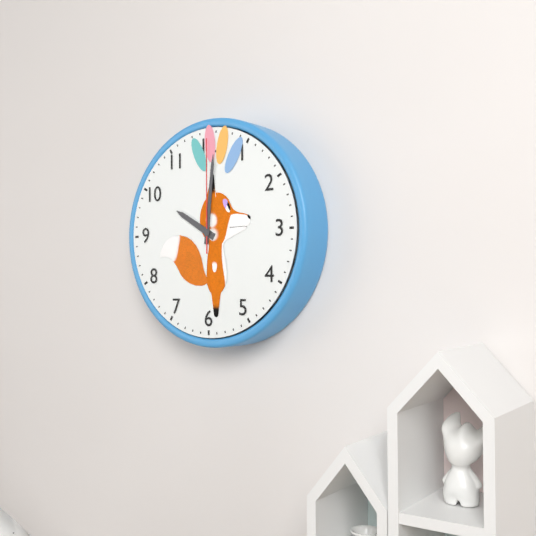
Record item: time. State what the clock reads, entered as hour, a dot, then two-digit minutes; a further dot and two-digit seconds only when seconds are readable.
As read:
10.01.00
